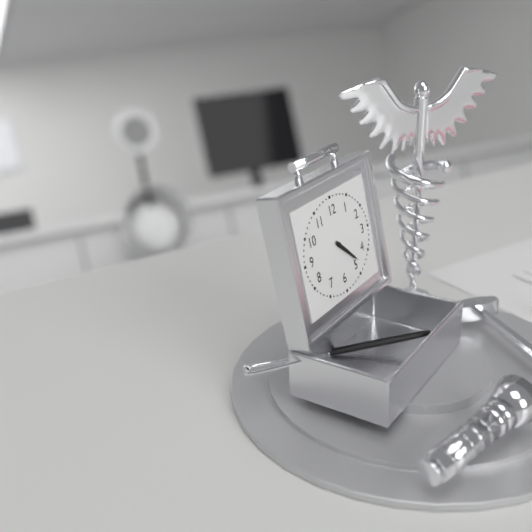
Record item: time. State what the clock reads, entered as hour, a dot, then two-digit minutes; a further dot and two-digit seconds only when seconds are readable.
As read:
4.22
